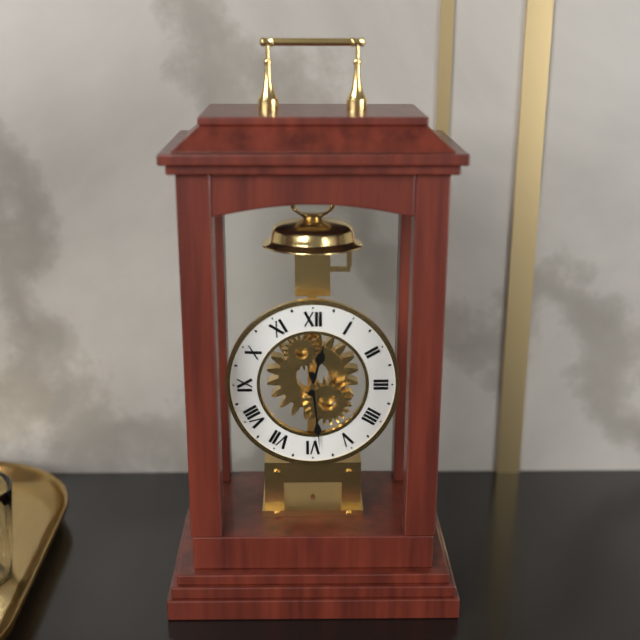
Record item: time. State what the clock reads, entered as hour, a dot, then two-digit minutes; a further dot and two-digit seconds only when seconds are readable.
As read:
12.29
